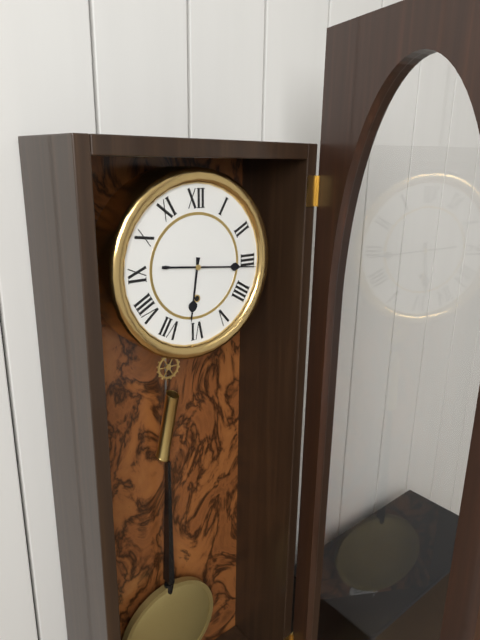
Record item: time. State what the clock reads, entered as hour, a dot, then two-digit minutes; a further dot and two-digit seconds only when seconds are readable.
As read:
6.16
